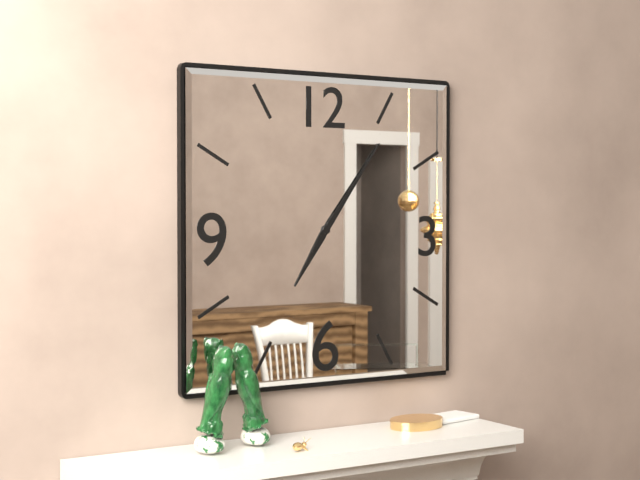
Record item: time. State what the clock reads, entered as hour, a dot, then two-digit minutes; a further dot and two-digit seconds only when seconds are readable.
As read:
7.06
